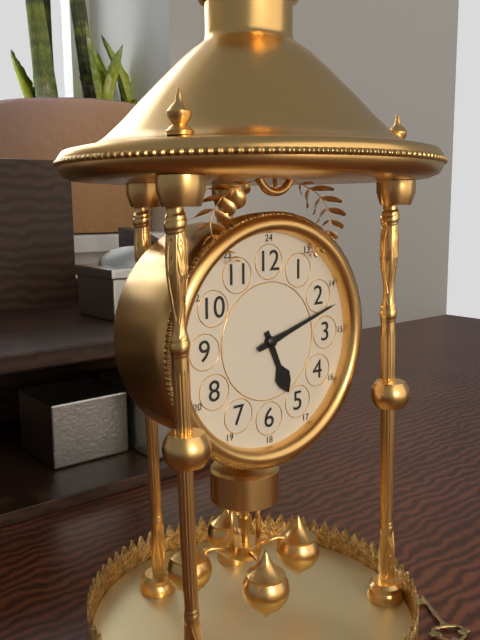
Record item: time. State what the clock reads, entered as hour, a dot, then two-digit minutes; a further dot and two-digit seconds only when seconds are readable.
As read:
5.12
